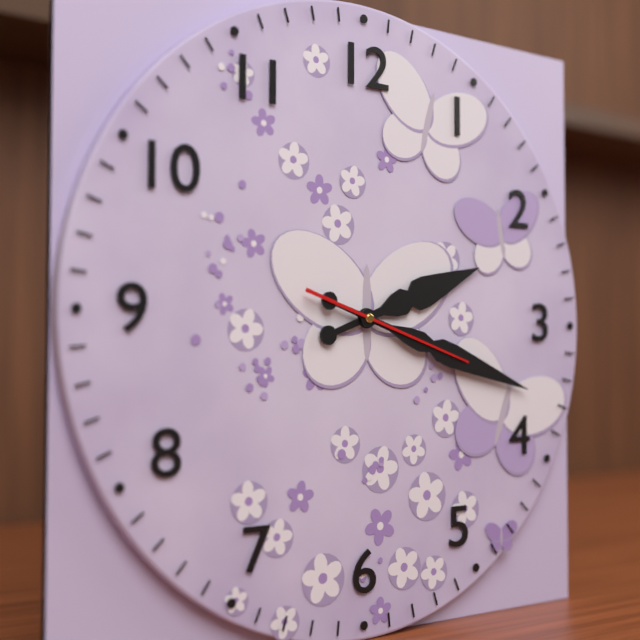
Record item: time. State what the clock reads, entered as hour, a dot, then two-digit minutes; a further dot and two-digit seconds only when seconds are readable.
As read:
2.18.18
